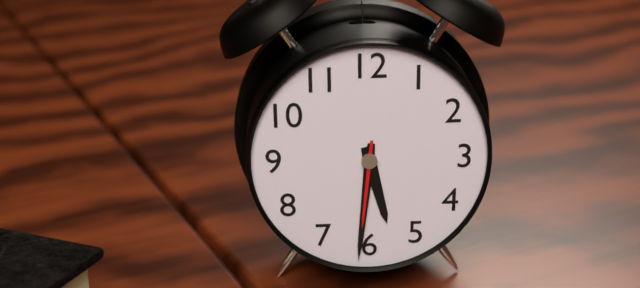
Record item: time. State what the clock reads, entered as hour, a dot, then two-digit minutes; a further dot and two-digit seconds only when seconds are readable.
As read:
5.31.31
